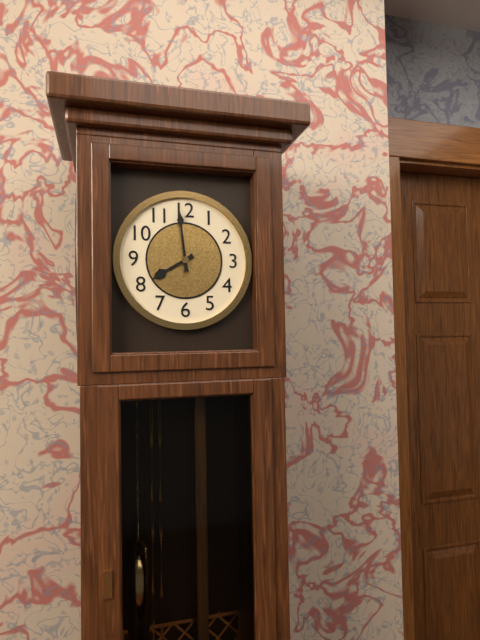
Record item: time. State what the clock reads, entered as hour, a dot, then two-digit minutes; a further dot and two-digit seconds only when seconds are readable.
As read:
7.59
